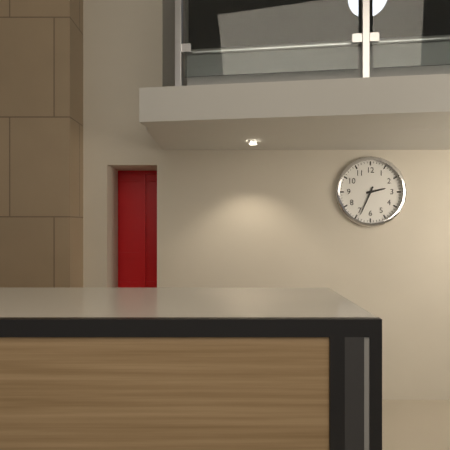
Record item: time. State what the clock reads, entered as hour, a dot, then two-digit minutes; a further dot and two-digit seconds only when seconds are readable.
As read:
2.34
